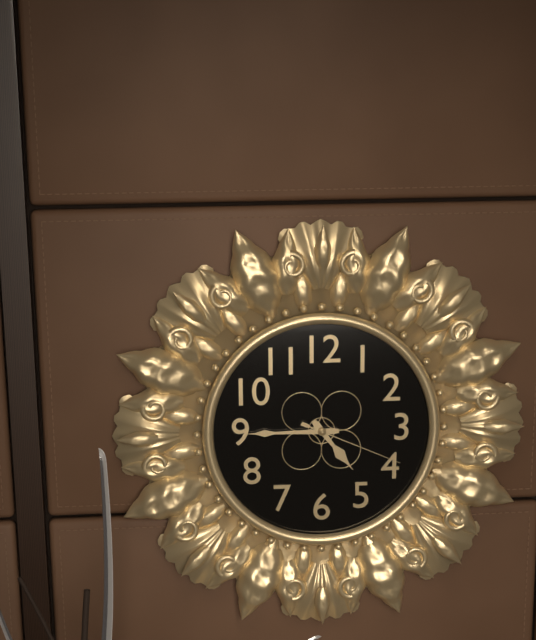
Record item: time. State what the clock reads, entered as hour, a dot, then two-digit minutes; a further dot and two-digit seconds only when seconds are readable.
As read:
4.45.19
